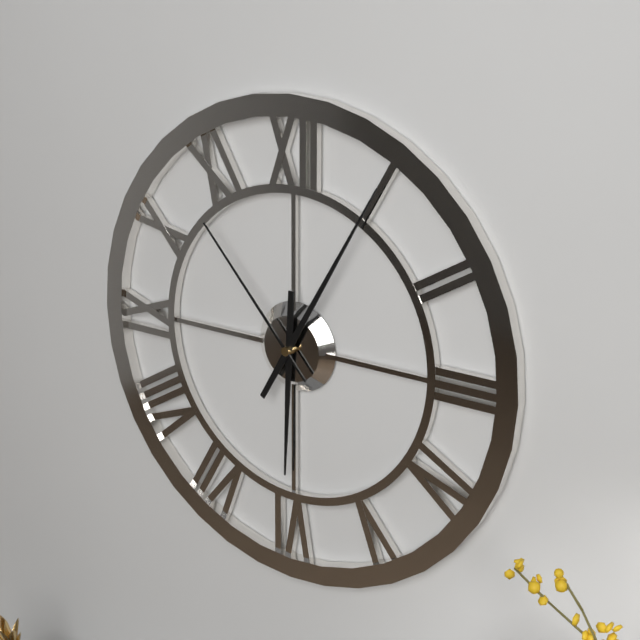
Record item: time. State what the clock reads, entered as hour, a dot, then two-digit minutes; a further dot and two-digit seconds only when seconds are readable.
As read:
6.05.53
